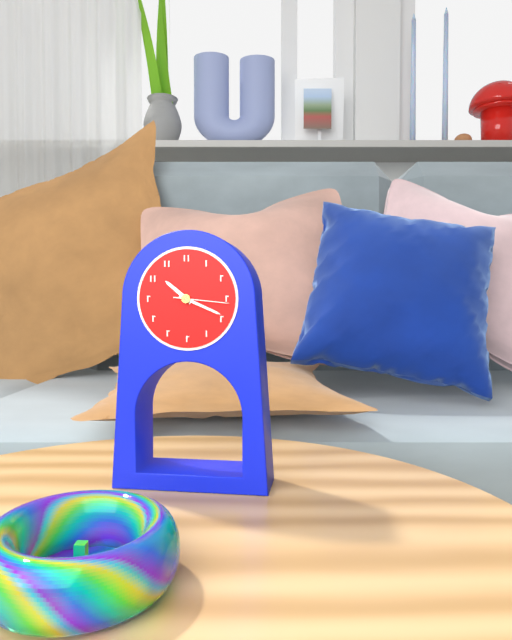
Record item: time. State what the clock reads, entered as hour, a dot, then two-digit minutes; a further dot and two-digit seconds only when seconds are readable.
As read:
10.19.16
